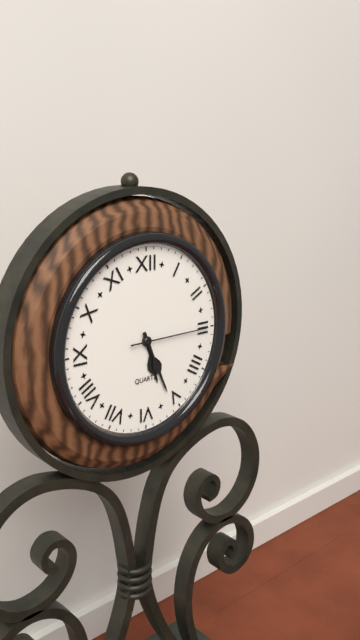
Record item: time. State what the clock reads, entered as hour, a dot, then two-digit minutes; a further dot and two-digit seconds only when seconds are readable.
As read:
5.26.15
